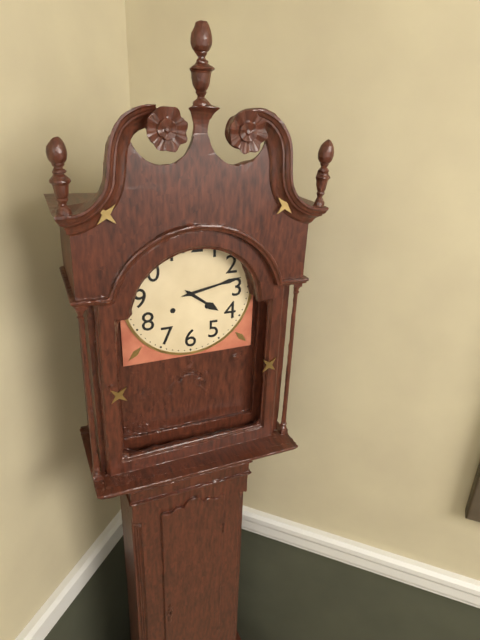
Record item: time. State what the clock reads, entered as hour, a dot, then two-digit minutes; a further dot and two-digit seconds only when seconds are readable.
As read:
4.13
